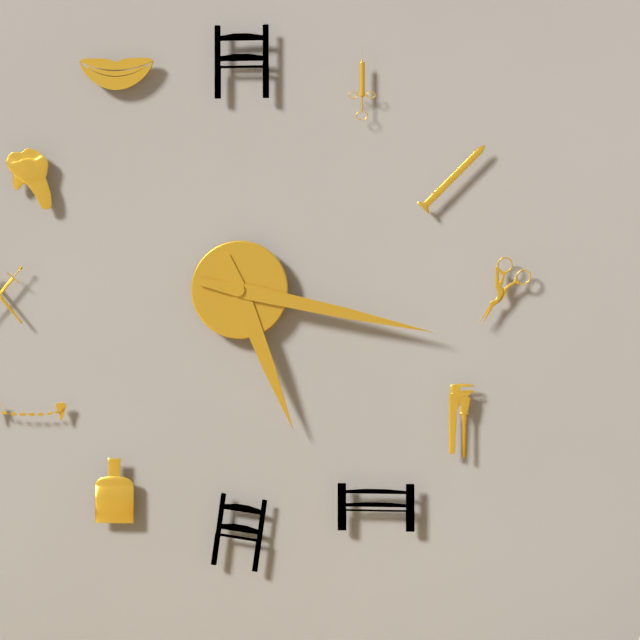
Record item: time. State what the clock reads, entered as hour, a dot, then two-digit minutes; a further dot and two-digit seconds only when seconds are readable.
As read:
5.17
